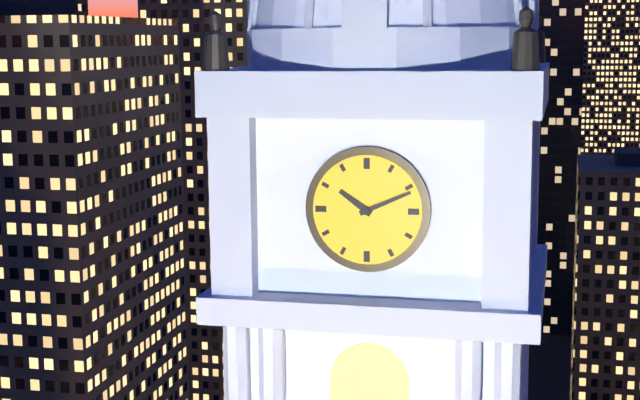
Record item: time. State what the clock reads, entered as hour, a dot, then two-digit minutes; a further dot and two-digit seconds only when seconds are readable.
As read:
10.11
